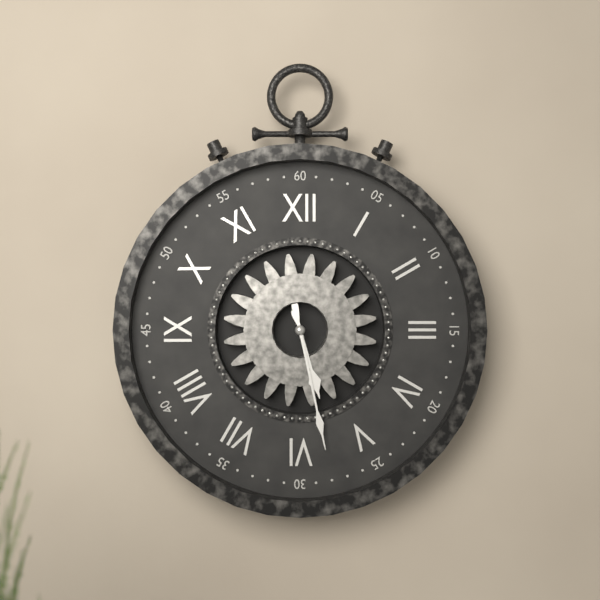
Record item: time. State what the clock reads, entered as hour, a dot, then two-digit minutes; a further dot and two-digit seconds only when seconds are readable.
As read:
5.28
